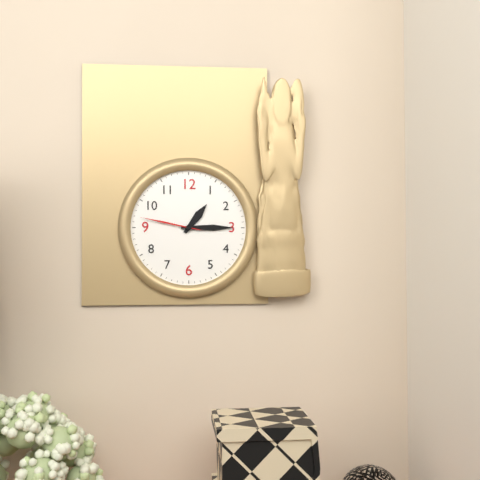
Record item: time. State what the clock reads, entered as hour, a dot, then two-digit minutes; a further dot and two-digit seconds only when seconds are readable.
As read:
1.15.47
